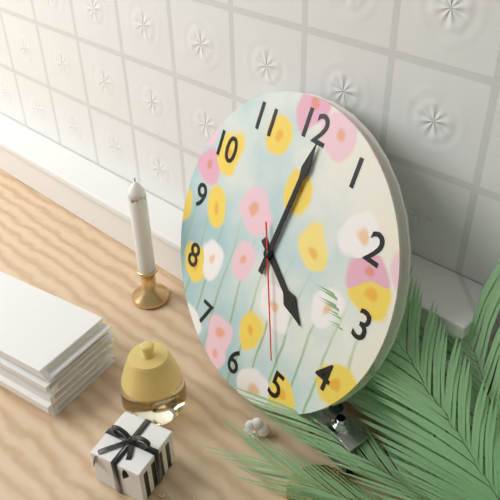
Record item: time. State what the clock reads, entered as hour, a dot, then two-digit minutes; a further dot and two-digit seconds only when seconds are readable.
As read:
4.01.25
